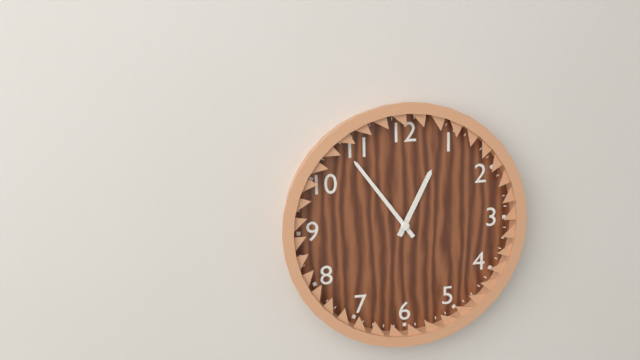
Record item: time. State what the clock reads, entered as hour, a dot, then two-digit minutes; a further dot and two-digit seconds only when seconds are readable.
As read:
12.54
